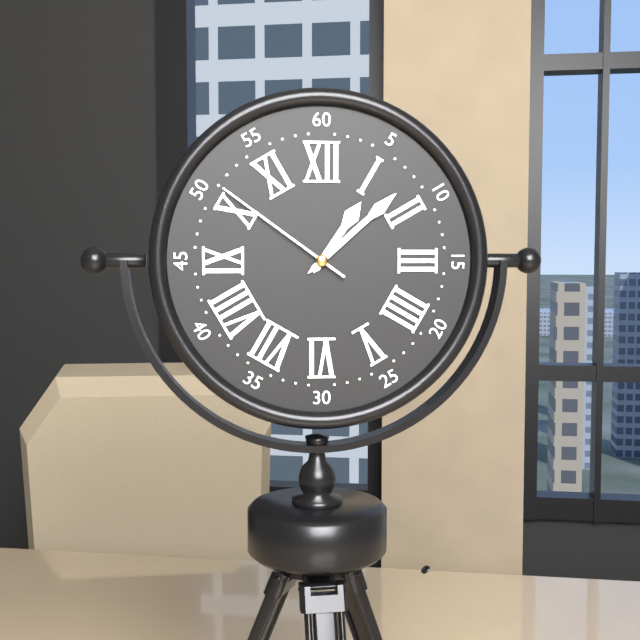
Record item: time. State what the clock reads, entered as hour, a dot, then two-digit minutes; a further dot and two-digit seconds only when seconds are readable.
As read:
1.08.51
